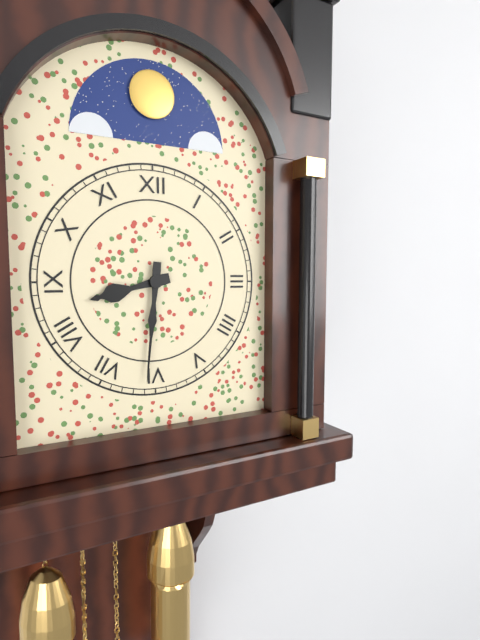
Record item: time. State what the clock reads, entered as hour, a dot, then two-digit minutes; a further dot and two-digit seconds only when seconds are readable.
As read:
8.31
